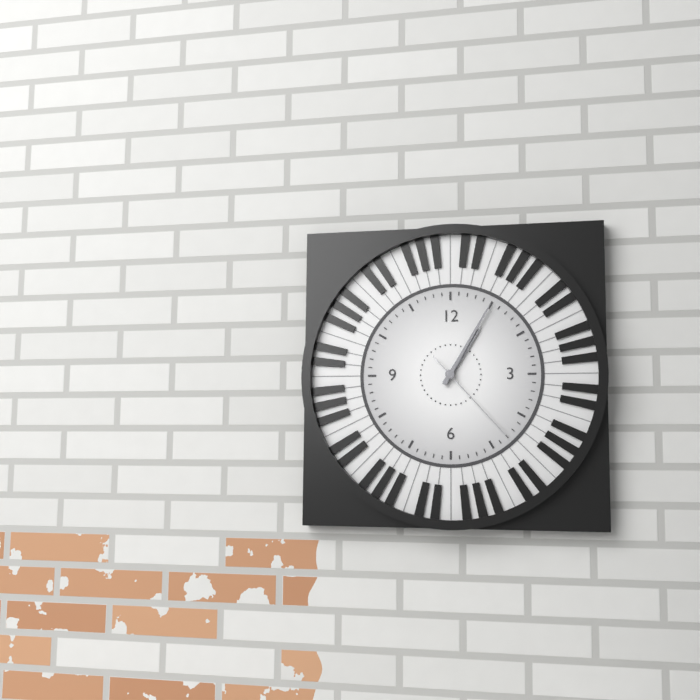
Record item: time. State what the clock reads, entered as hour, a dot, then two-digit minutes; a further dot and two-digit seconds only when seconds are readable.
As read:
1.05.23
